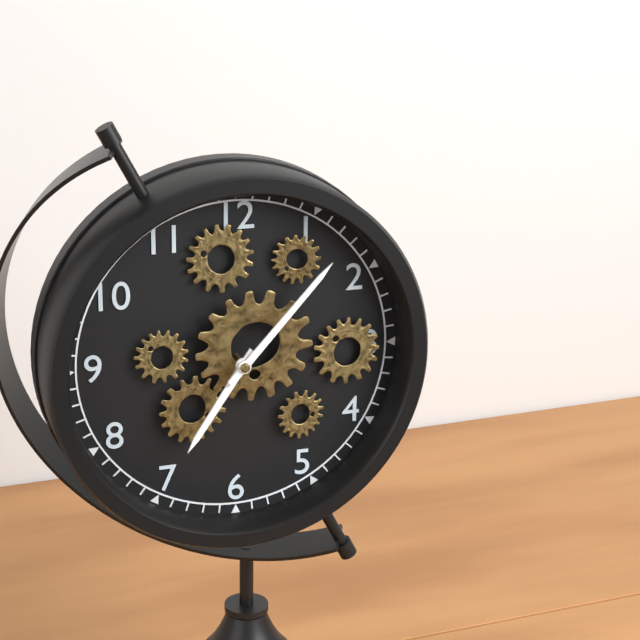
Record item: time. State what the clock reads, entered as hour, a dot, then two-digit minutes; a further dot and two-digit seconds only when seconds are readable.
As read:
7.07
